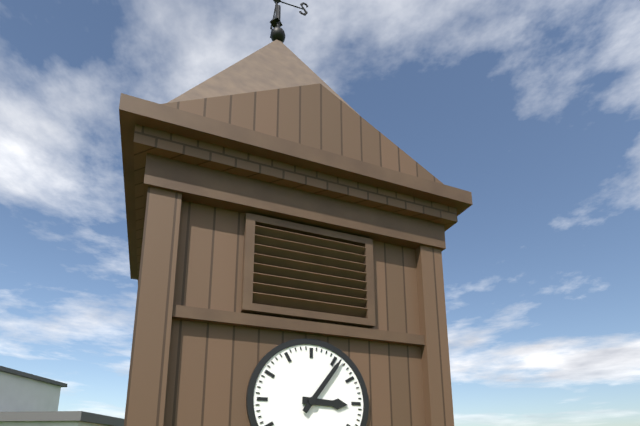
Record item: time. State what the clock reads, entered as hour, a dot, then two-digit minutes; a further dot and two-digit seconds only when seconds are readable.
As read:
3.06
